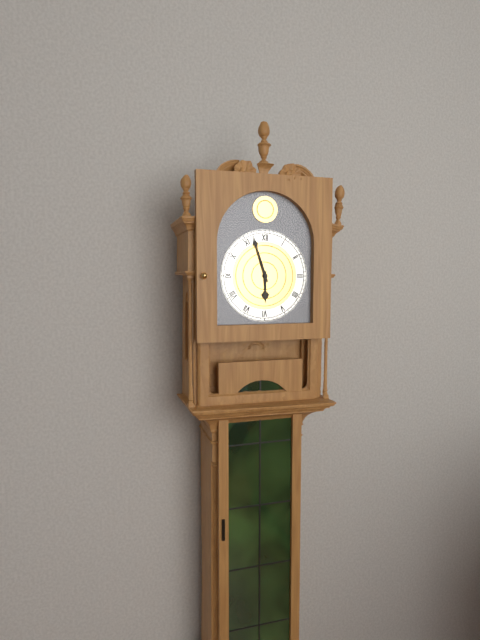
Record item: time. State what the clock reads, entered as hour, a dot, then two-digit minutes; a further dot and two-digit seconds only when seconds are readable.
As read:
5.57
